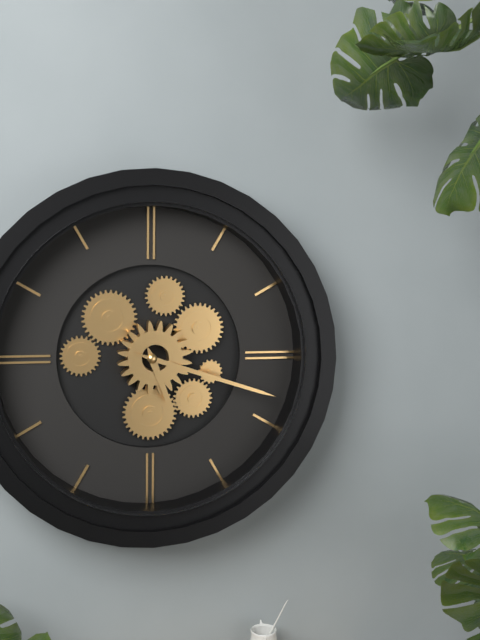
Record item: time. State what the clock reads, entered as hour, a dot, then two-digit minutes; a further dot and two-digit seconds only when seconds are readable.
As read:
5.18
